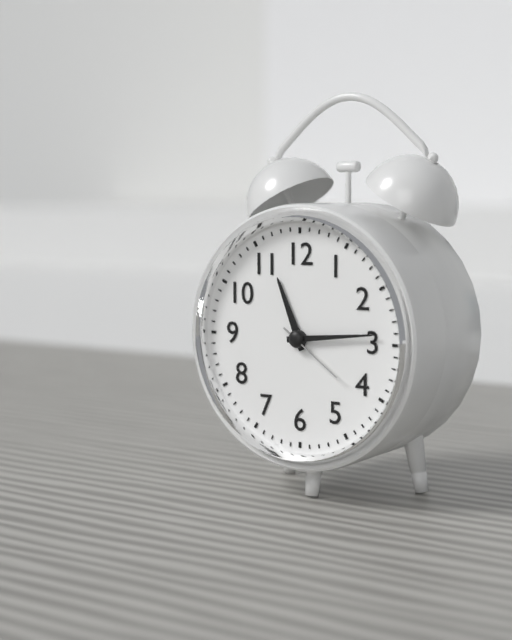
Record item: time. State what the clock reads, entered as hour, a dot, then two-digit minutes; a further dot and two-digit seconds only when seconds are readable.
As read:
11.14.21
